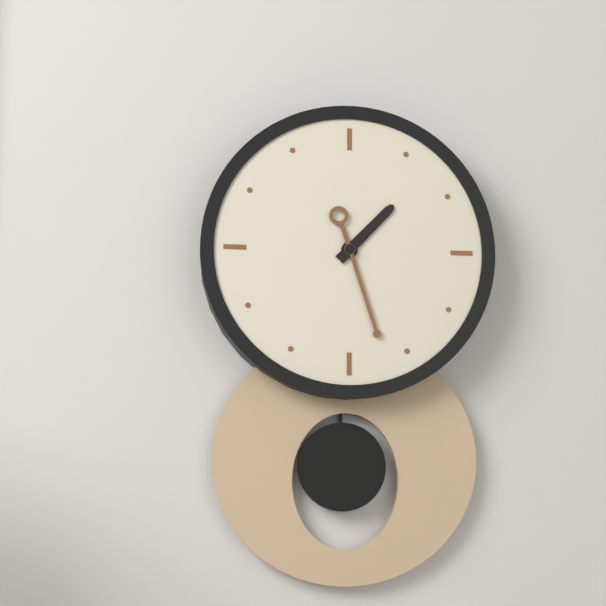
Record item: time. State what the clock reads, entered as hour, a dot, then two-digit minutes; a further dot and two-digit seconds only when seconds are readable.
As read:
1.27
